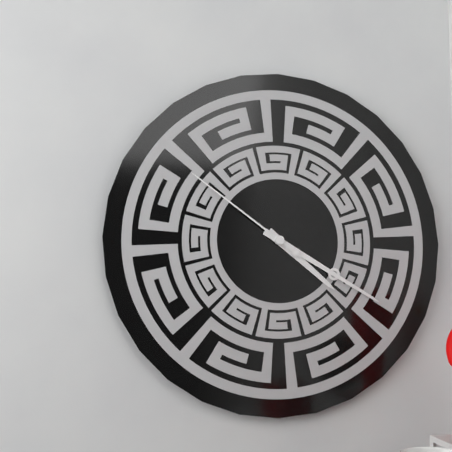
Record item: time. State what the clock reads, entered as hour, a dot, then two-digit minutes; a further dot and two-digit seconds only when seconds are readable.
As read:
4.20.51
